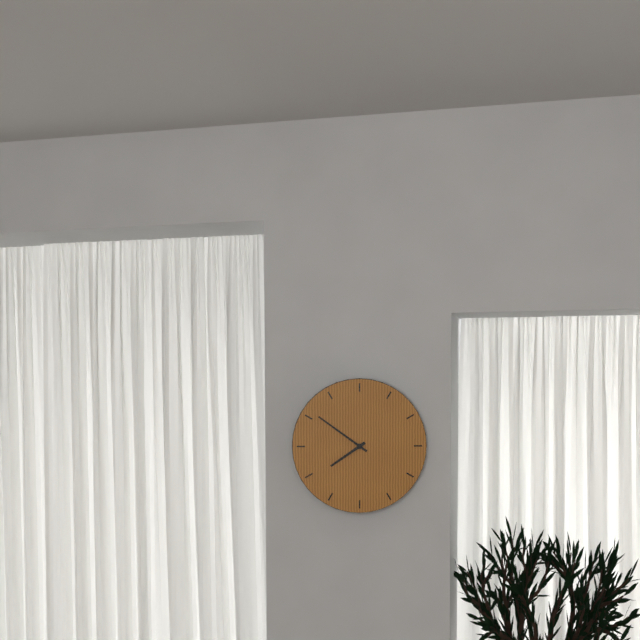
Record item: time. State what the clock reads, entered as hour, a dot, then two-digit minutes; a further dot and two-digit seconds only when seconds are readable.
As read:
7.51
